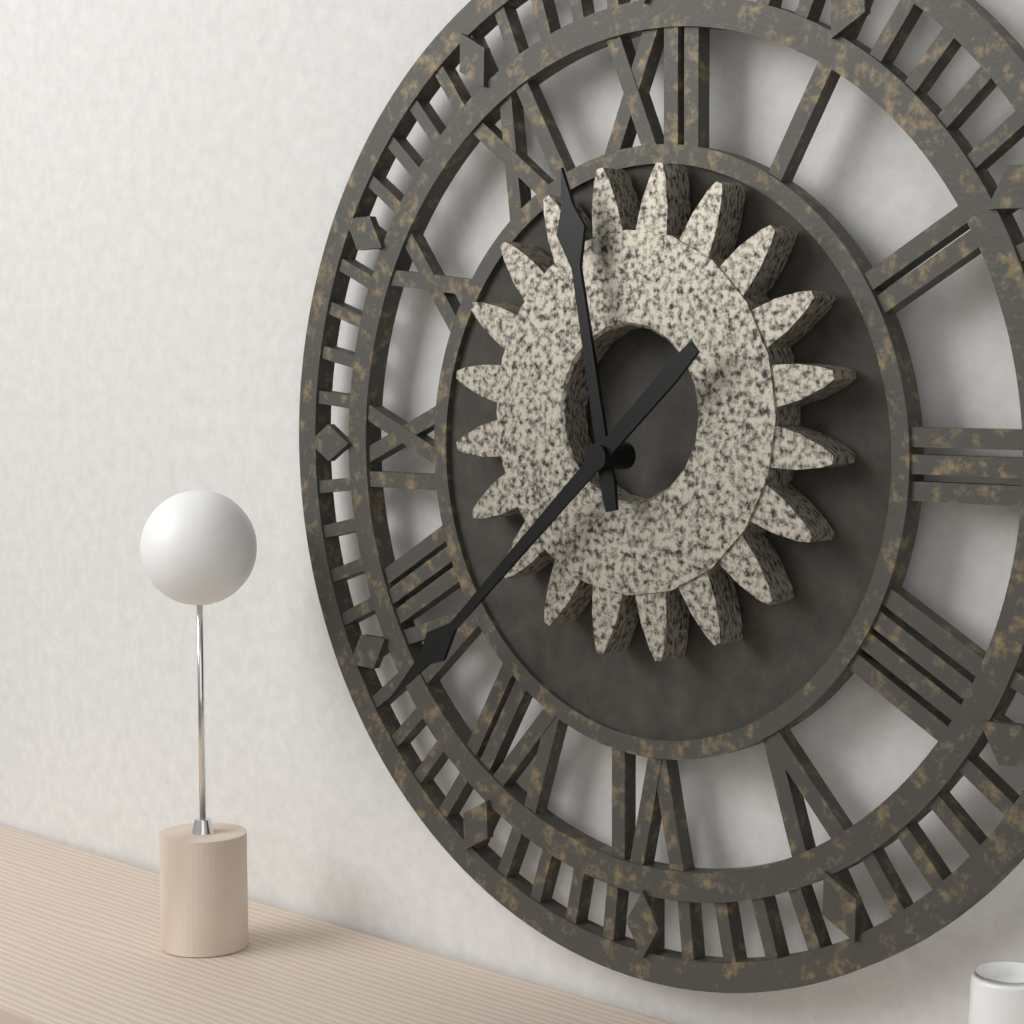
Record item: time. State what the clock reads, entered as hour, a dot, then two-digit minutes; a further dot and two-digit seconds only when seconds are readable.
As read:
11.38
